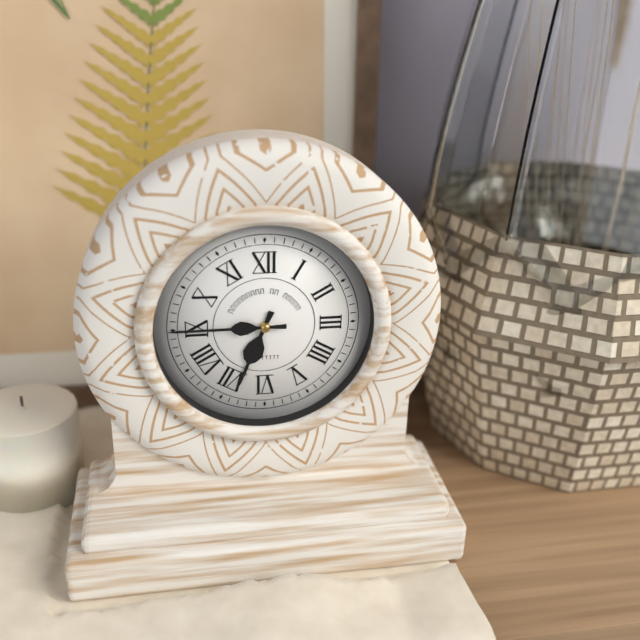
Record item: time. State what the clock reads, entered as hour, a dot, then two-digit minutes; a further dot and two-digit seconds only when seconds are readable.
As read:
6.45
